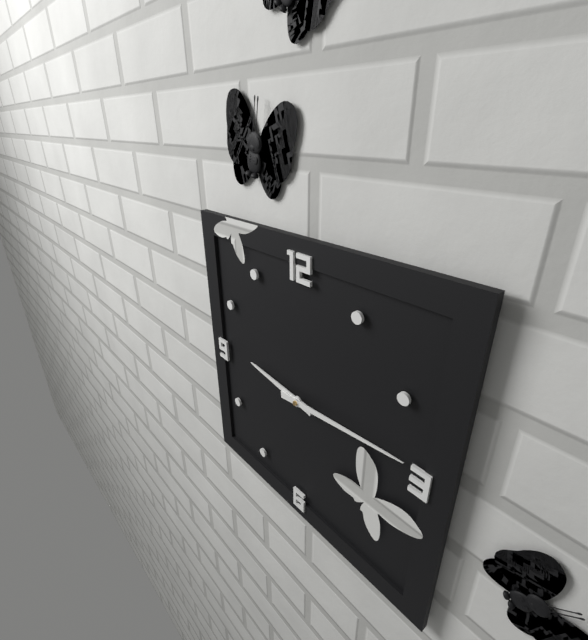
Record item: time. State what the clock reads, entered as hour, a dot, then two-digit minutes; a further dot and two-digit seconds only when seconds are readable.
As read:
9.14
